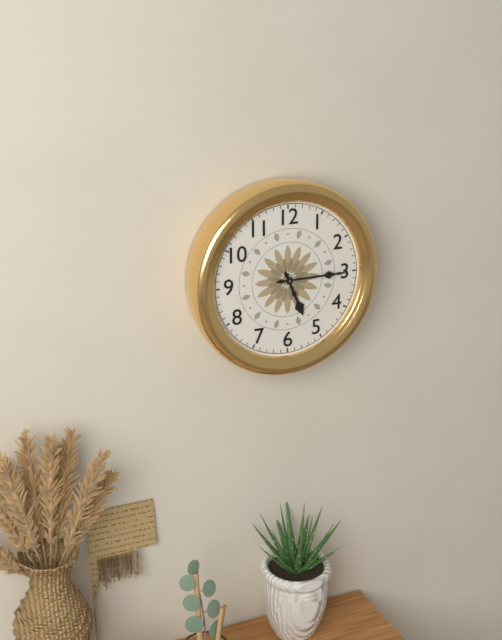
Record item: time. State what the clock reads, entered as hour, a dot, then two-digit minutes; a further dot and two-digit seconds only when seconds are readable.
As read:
5.15
